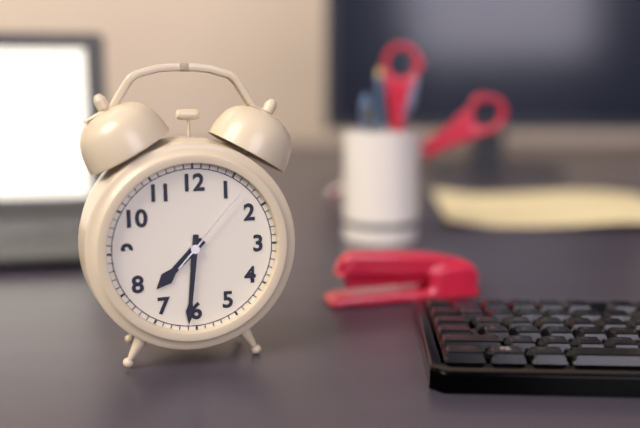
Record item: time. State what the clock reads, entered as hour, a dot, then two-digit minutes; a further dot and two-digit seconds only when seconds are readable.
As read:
7.31.07
